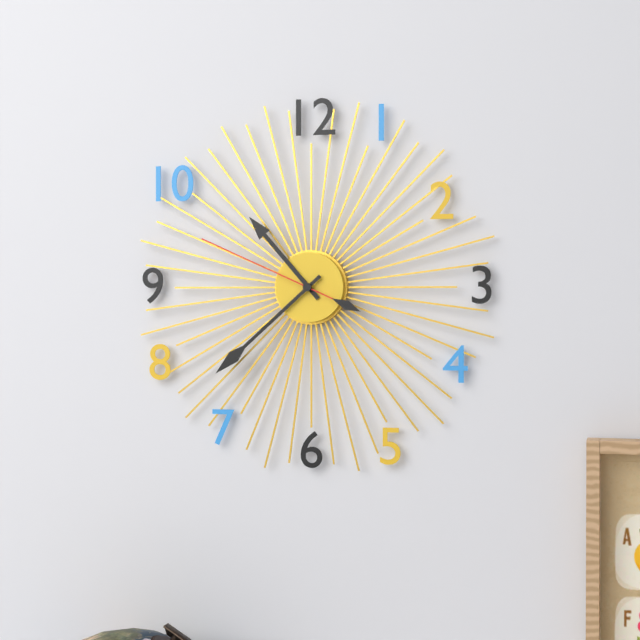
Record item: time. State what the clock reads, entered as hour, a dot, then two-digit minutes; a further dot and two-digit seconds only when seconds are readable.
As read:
10.38.49
